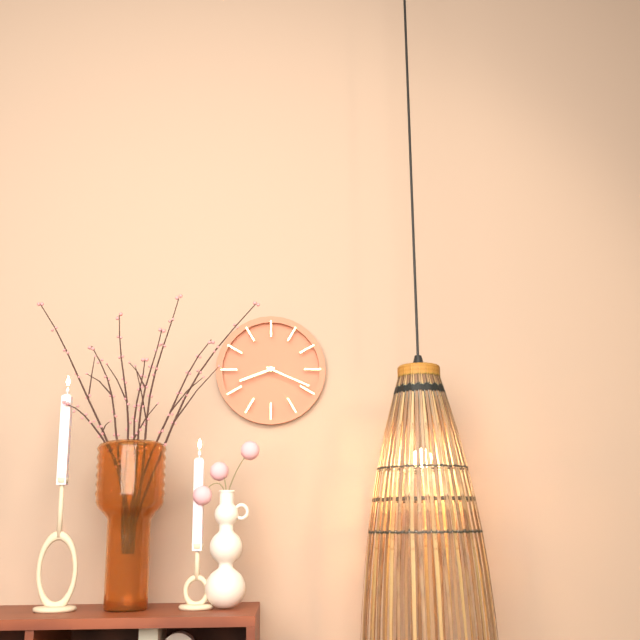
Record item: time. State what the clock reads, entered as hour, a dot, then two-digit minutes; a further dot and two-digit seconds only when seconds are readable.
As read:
8.19
